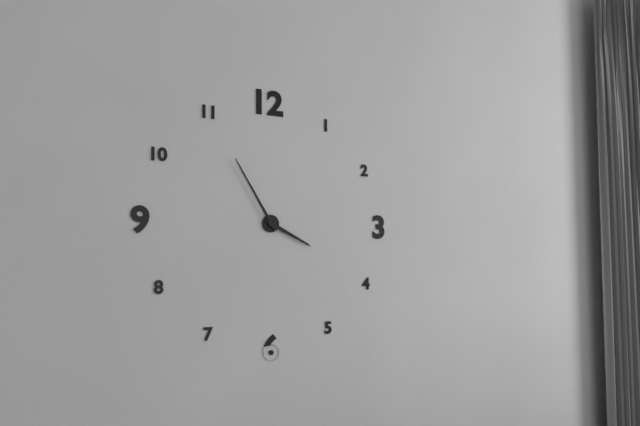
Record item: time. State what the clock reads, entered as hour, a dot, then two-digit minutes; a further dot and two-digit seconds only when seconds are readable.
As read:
3.55
